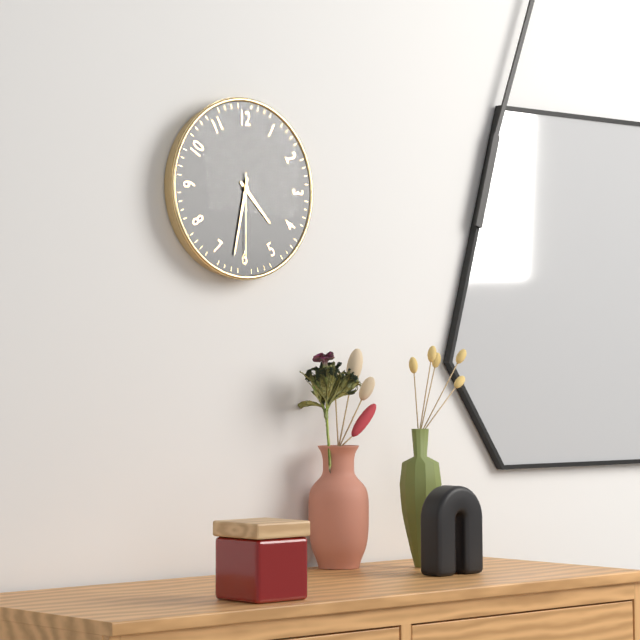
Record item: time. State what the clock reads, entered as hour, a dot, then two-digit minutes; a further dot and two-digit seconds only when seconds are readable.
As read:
4.32.30
